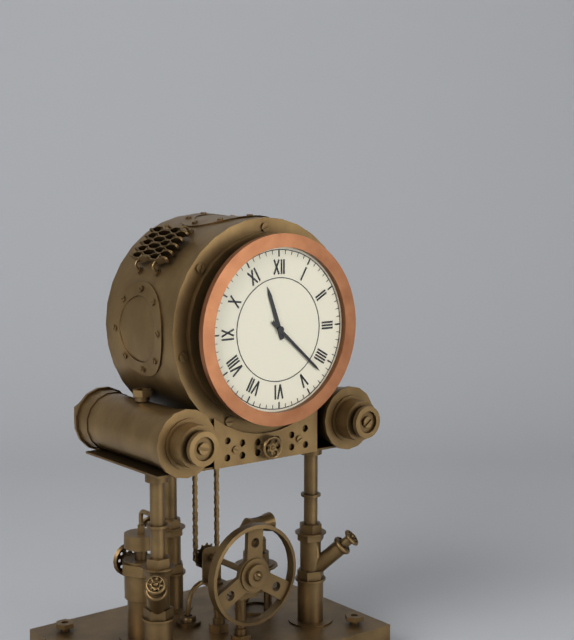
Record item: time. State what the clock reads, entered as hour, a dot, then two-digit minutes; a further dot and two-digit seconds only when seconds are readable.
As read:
11.22
